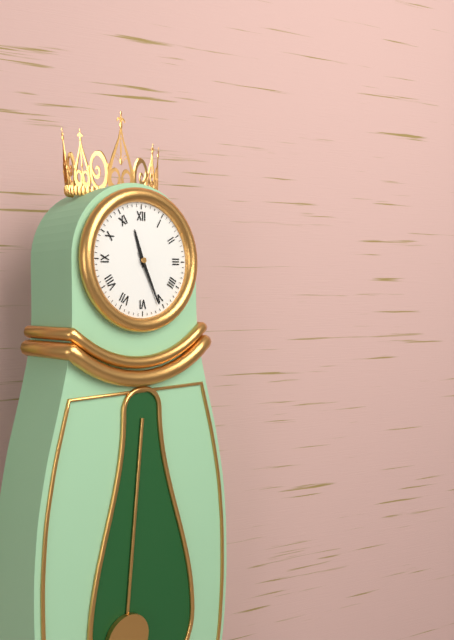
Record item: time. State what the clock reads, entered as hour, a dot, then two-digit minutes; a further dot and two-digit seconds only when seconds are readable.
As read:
11.26
